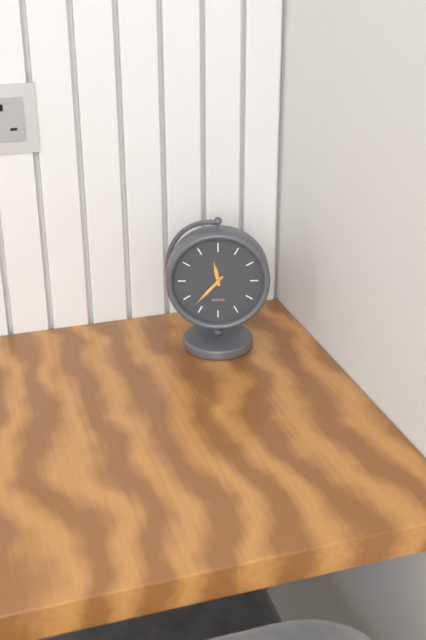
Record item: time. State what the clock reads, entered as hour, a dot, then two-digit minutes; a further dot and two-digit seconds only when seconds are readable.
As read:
11.37
